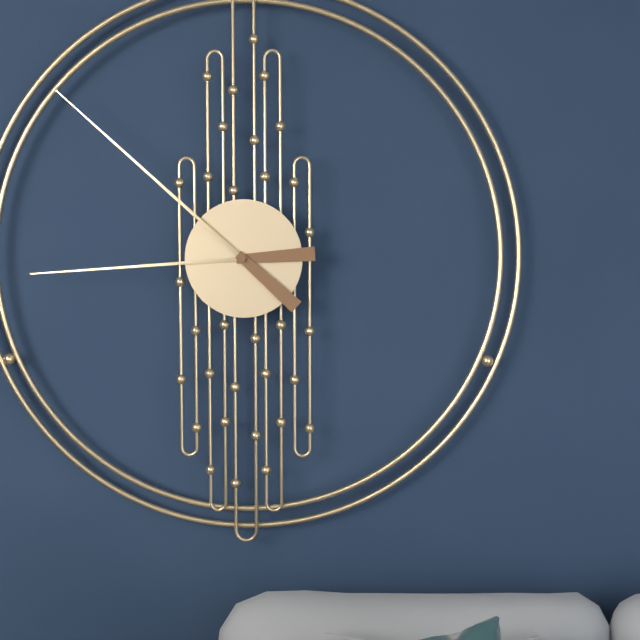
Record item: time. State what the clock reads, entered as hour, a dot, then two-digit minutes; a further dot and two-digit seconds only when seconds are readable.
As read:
8.52
